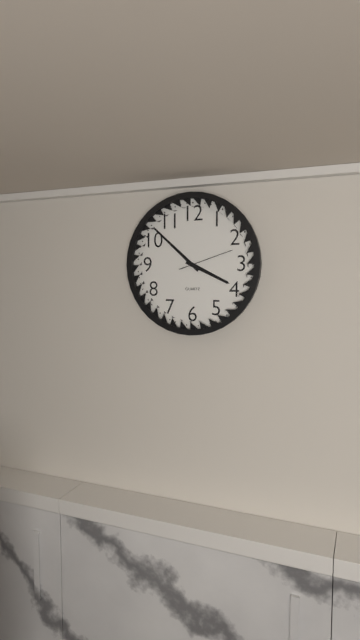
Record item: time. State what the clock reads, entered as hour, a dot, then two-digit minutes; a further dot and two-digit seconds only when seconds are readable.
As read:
3.52.12
